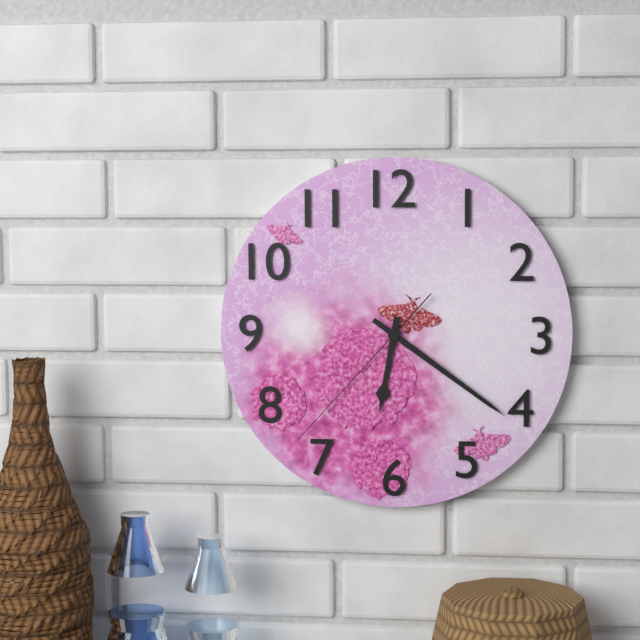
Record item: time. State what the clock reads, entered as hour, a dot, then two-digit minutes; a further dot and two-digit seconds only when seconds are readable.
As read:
6.21.37
